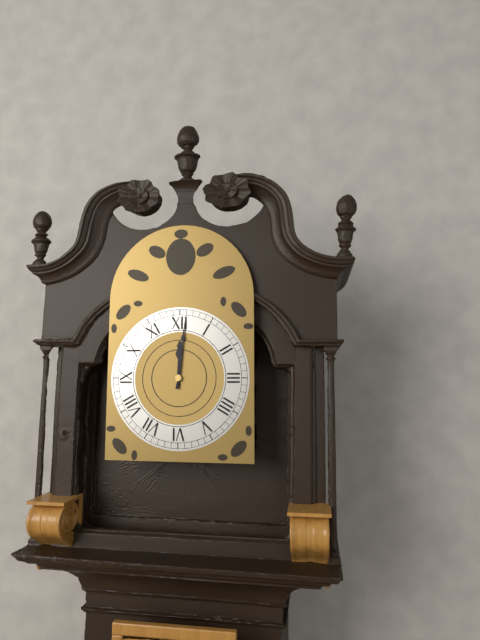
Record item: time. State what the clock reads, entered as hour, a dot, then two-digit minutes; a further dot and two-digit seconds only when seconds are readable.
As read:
12.01
